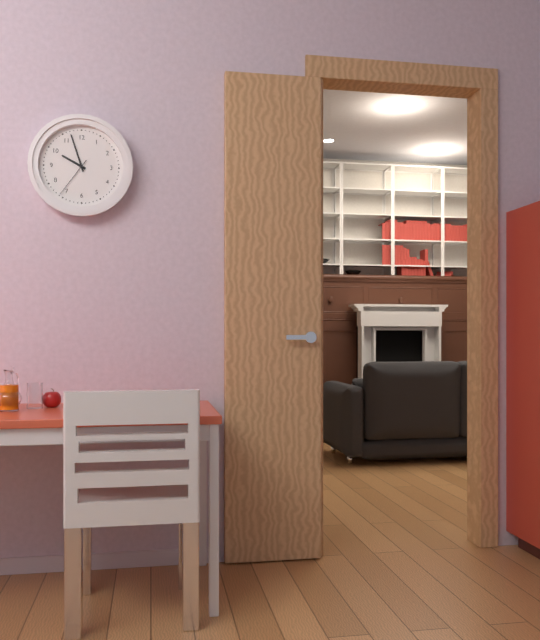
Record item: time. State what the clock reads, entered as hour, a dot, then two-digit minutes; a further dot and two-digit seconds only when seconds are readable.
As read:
9.57
